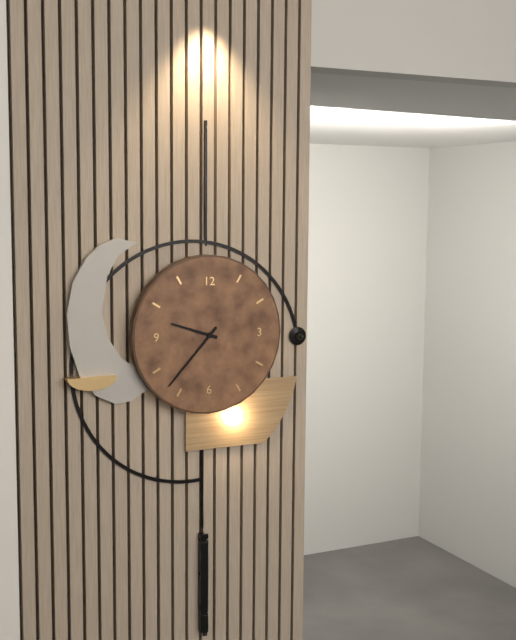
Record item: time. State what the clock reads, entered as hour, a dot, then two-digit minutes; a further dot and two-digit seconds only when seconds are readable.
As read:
9.37
